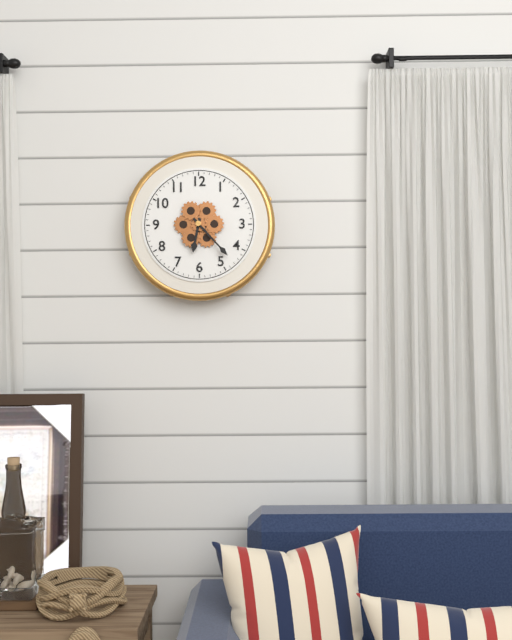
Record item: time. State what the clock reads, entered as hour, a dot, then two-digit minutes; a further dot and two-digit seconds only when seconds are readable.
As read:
6.23
